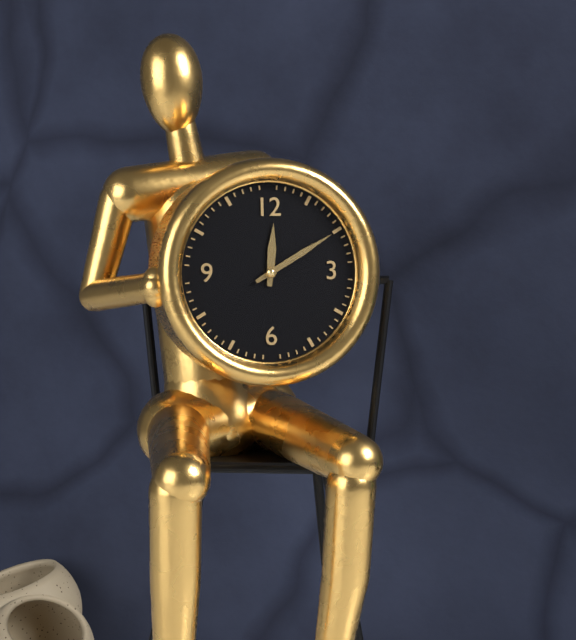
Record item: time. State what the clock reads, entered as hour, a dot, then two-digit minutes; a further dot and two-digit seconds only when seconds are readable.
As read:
12.10
